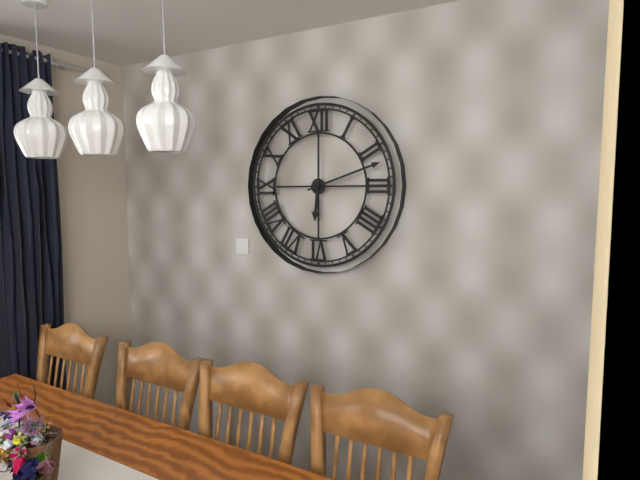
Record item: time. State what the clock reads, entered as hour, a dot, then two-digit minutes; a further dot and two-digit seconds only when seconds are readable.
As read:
6.12
